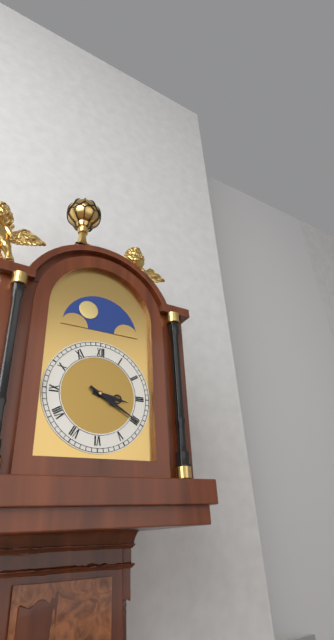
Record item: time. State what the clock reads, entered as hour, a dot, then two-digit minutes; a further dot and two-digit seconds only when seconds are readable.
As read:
3.20
